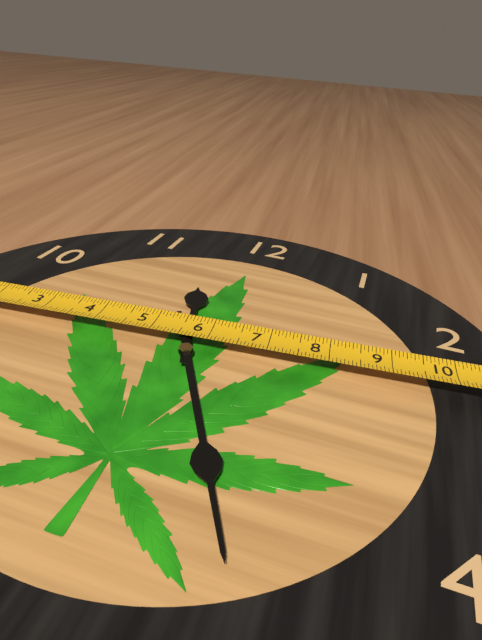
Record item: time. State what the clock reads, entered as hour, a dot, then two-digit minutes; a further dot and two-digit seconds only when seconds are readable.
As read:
11.25
